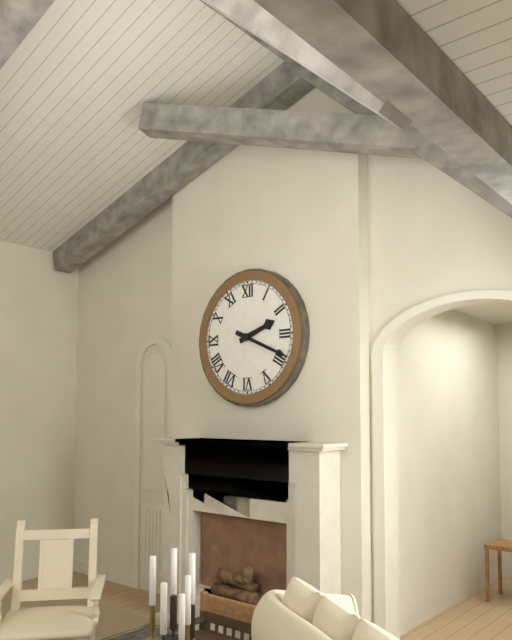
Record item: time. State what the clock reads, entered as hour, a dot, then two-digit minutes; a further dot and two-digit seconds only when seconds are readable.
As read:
2.19
